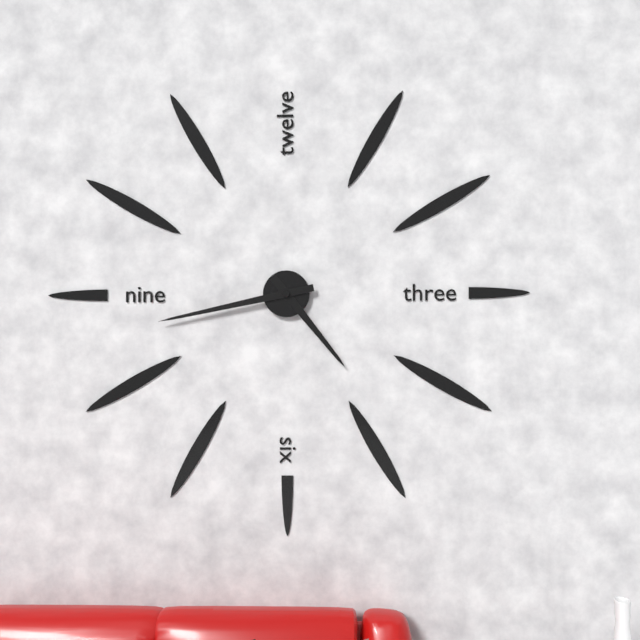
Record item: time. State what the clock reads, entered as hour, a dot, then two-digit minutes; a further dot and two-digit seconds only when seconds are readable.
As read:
4.43
